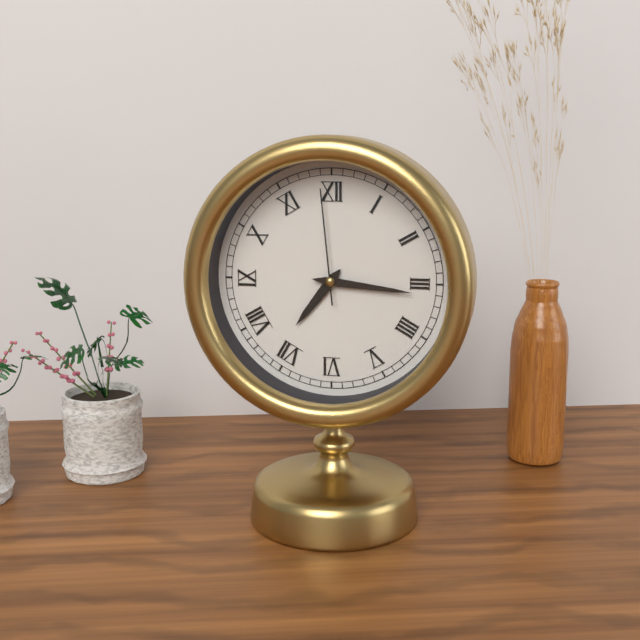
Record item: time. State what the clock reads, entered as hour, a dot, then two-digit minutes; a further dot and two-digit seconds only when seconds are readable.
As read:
7.16.59
